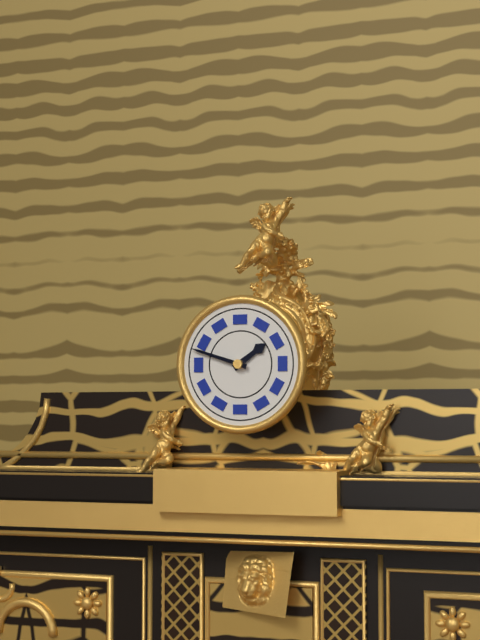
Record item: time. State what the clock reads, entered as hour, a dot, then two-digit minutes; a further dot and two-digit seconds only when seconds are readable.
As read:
1.48
